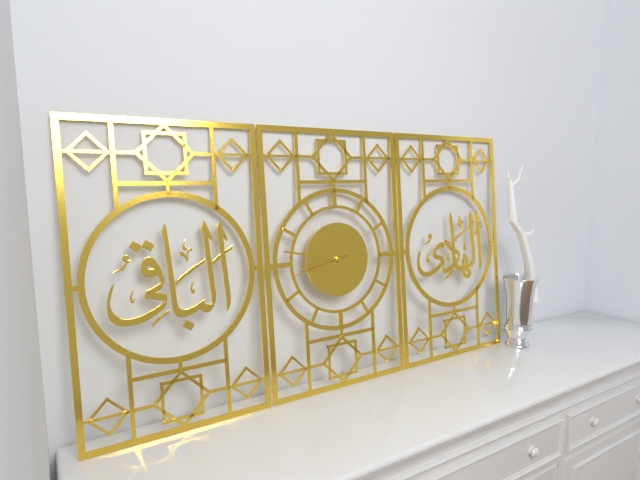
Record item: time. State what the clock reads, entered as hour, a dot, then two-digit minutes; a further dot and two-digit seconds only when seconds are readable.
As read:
8.47.43
